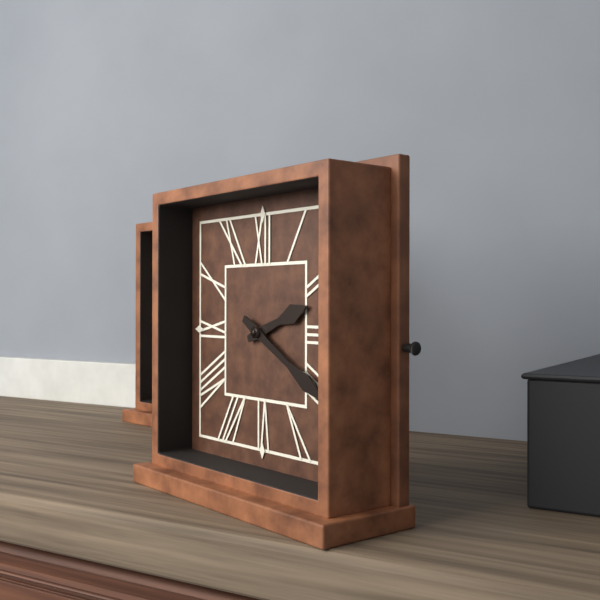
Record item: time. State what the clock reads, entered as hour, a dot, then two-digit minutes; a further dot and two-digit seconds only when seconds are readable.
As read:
2.20
